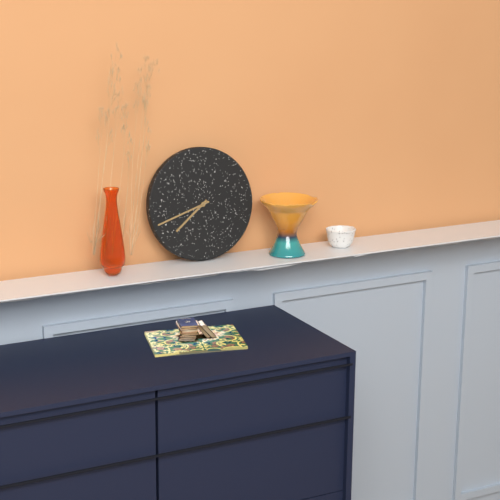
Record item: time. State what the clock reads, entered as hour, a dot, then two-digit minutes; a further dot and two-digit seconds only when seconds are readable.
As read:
7.42
